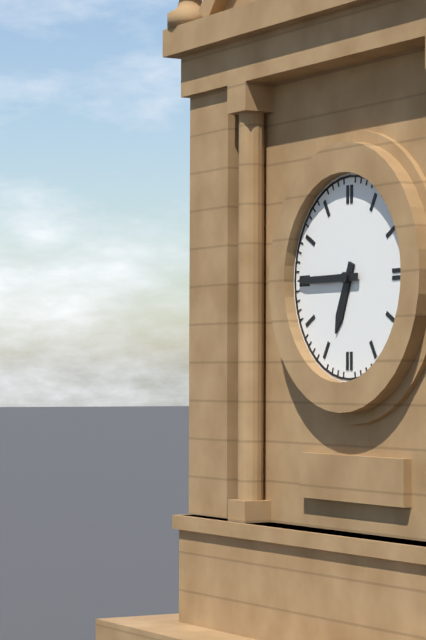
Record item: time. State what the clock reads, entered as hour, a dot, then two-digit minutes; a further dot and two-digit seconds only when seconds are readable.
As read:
6.45
